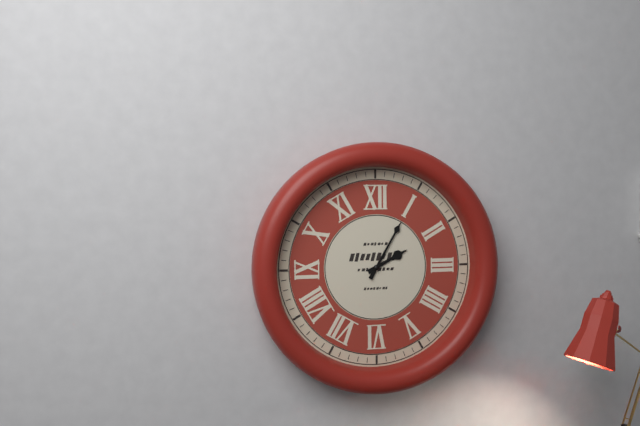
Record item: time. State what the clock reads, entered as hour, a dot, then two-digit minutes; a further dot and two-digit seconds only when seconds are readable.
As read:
2.05
